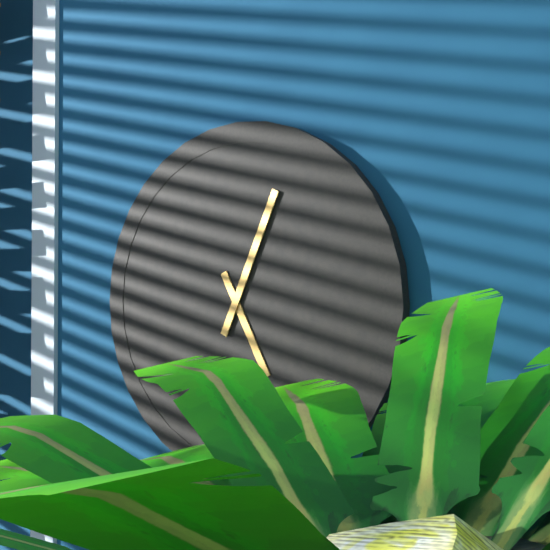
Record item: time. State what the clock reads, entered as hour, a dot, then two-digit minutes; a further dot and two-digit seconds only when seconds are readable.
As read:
5.04
